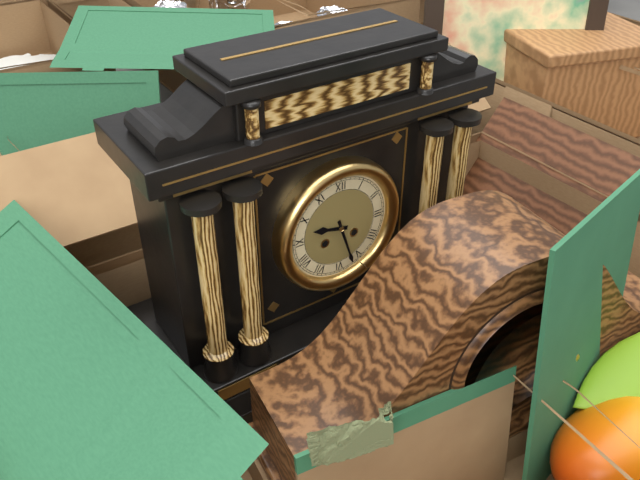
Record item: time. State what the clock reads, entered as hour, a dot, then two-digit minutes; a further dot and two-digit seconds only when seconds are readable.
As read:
9.27
